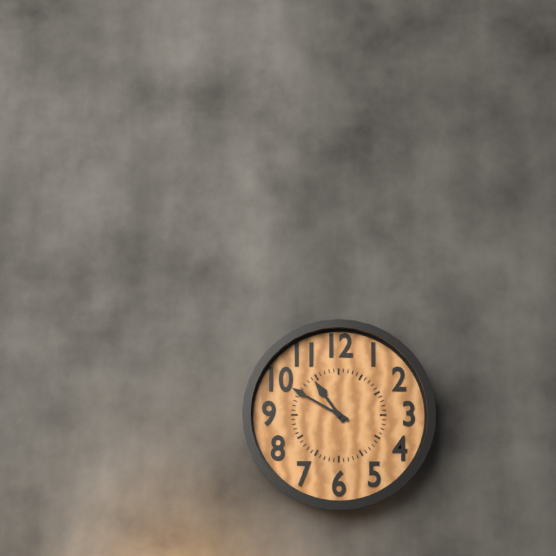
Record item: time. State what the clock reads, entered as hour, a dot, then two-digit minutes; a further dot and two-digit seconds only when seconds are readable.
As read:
10.50
